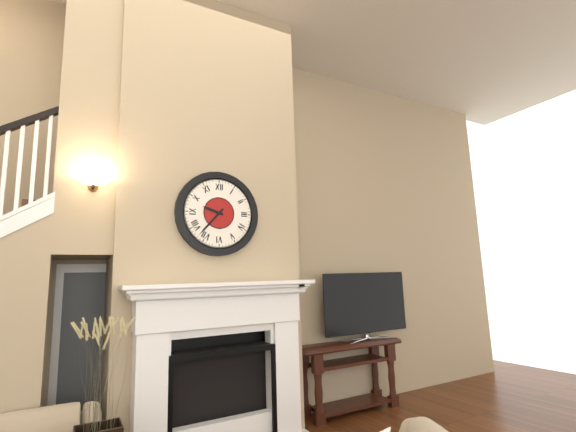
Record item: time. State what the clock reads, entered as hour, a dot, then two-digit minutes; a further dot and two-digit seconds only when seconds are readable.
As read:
9.37
